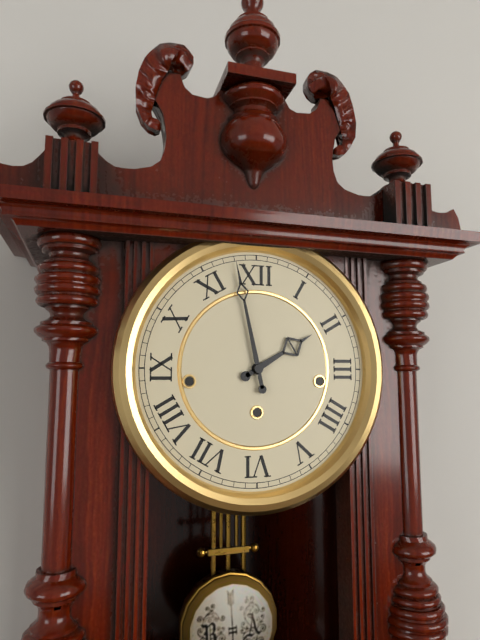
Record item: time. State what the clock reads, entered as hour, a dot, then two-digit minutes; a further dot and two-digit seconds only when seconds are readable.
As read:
1.58
